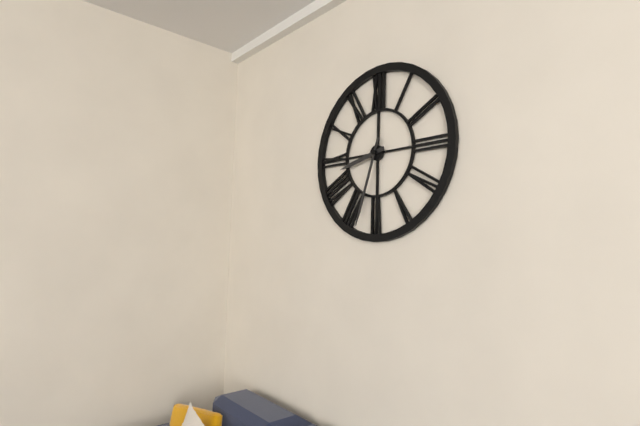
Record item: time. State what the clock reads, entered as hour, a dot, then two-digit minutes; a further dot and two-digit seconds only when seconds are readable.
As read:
8.33
